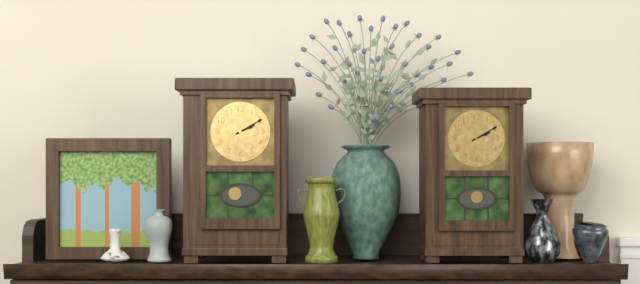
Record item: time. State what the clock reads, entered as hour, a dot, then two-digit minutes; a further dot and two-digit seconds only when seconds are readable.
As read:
2.10
